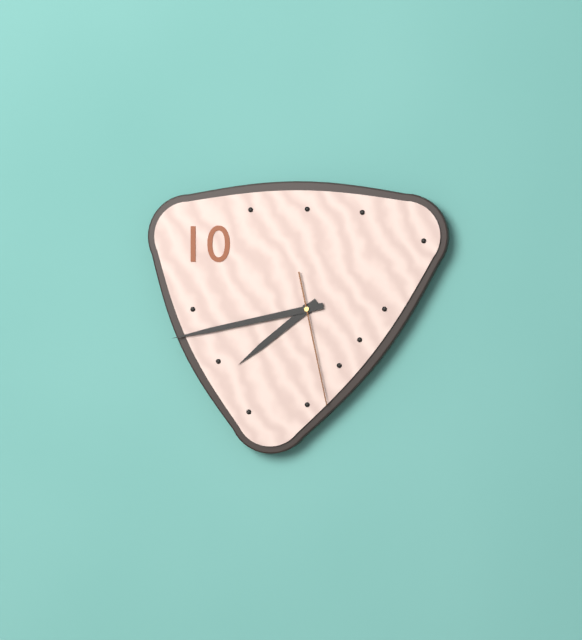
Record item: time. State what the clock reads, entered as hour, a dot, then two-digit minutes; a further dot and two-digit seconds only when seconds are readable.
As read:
7.43.28
